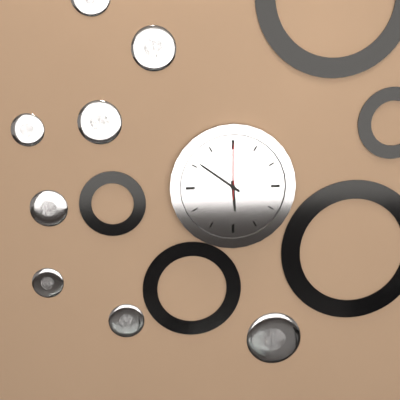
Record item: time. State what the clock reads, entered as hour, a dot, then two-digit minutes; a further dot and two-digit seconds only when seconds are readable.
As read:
5.51.00
